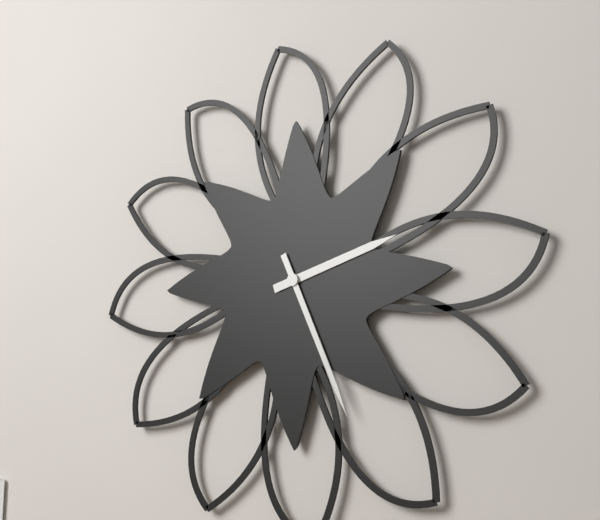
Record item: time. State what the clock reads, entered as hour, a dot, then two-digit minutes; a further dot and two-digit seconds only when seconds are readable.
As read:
2.26
